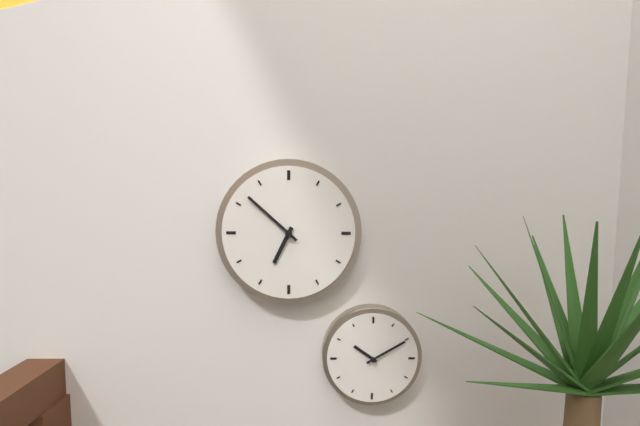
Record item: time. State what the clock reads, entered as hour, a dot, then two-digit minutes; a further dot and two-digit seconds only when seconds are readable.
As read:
6.52
